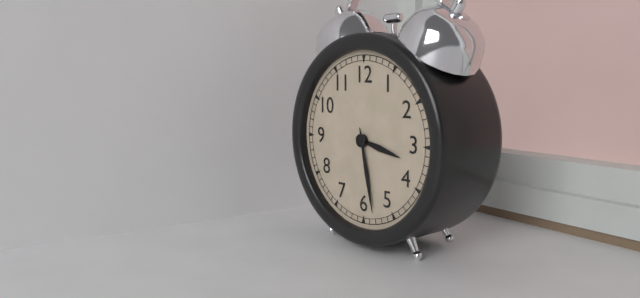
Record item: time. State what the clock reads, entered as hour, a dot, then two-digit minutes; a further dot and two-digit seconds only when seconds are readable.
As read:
3.28
